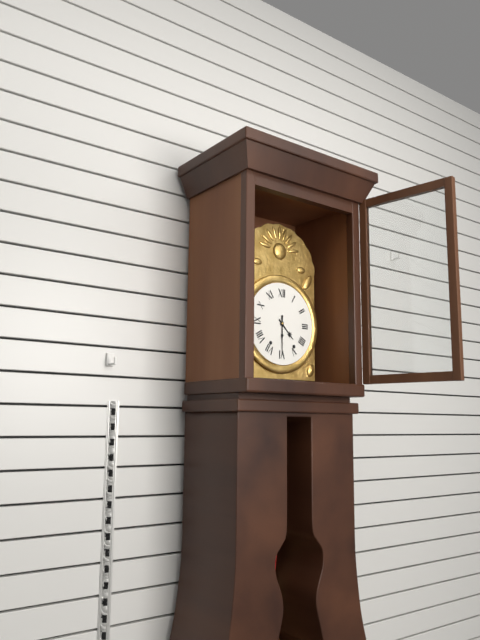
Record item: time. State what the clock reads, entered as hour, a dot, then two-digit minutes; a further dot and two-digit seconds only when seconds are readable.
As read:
4.30
